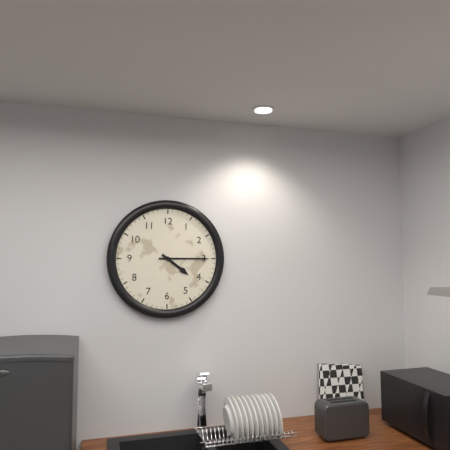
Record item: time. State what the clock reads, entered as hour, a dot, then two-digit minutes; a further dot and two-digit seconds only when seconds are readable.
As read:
4.15
